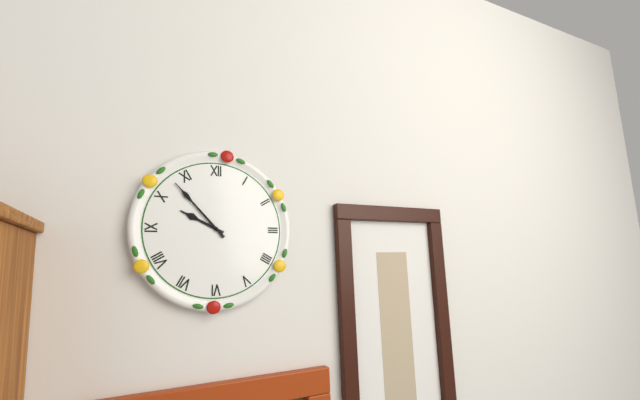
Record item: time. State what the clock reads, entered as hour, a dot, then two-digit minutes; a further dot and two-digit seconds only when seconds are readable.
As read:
9.53
